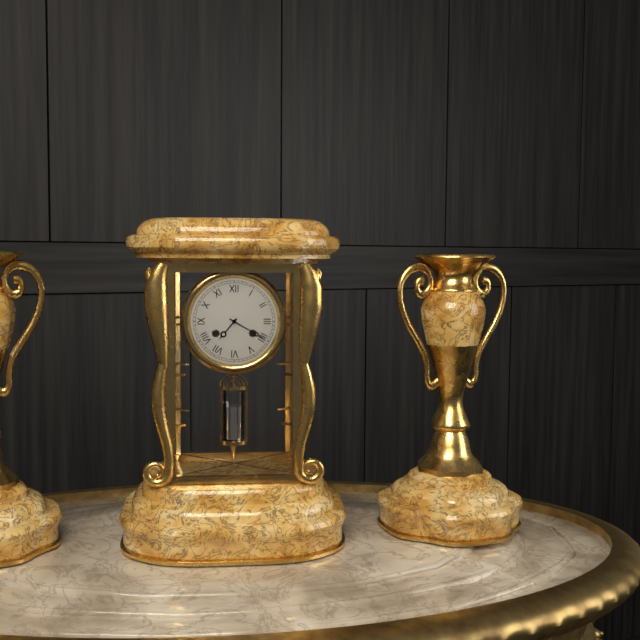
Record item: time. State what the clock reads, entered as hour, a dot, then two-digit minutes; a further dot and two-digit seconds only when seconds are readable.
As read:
7.20
